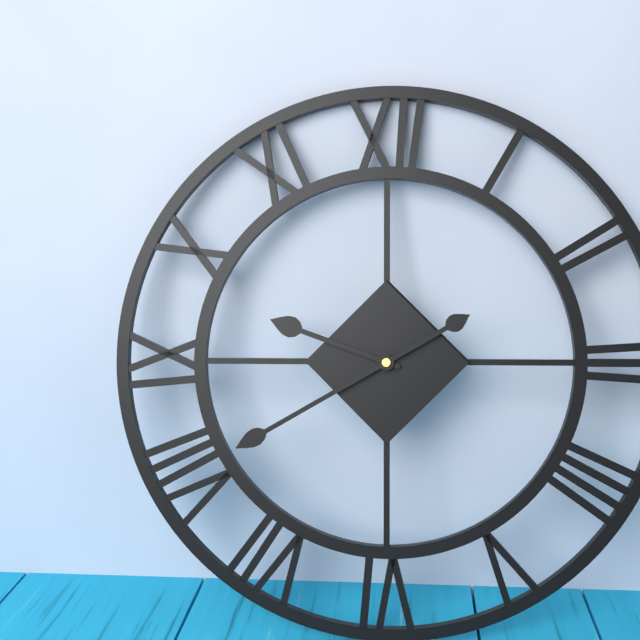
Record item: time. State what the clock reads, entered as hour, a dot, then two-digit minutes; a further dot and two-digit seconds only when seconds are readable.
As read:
9.40
